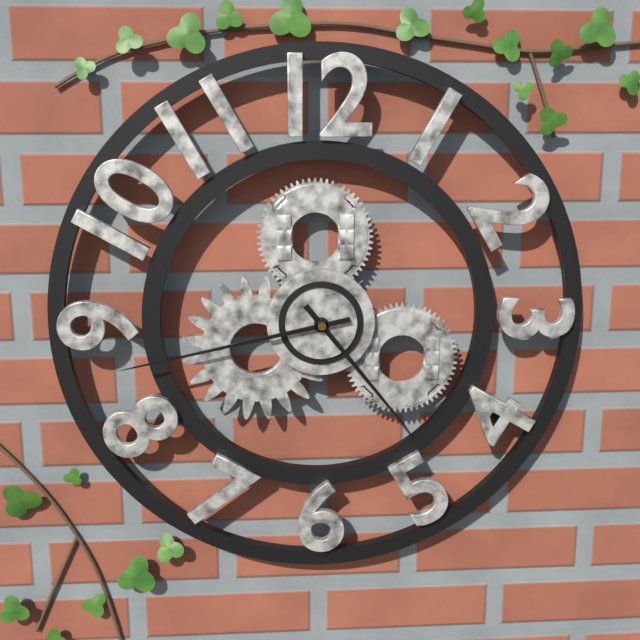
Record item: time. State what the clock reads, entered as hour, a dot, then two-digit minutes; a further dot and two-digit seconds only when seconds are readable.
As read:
4.43
